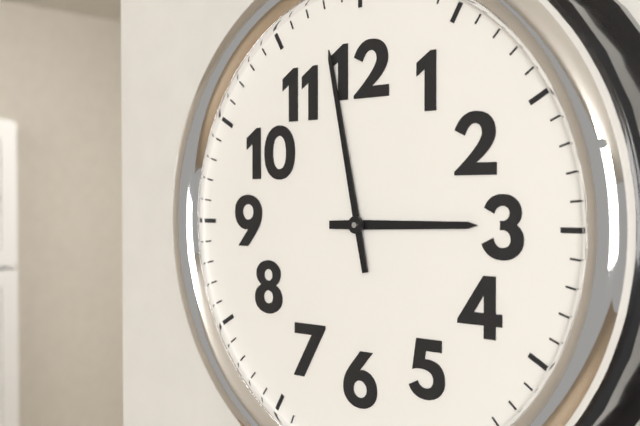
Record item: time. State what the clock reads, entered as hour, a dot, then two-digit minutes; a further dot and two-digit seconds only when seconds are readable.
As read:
2.58
